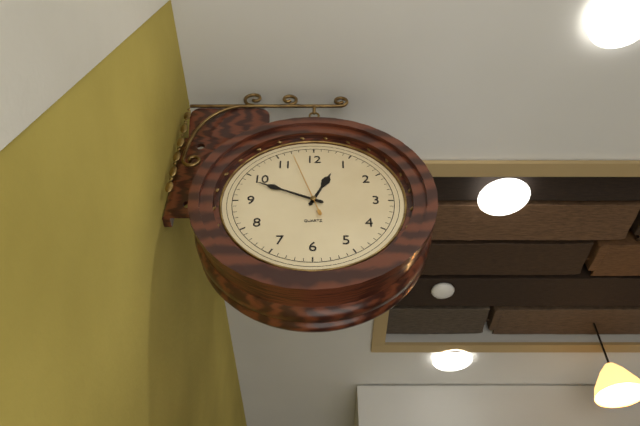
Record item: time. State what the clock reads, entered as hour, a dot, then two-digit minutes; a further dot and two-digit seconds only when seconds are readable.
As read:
12.49.57
